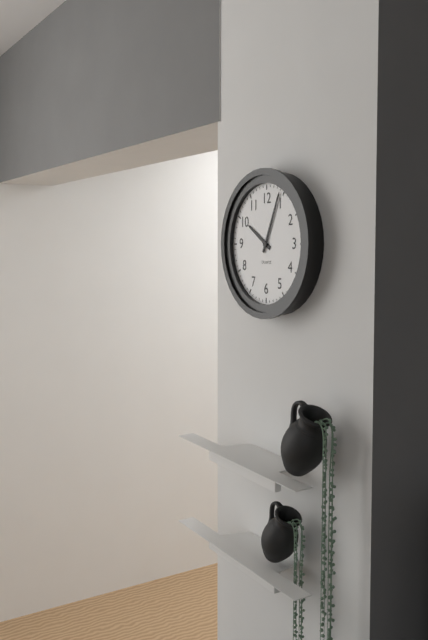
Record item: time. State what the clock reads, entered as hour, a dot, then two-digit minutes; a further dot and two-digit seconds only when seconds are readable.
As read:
10.04
